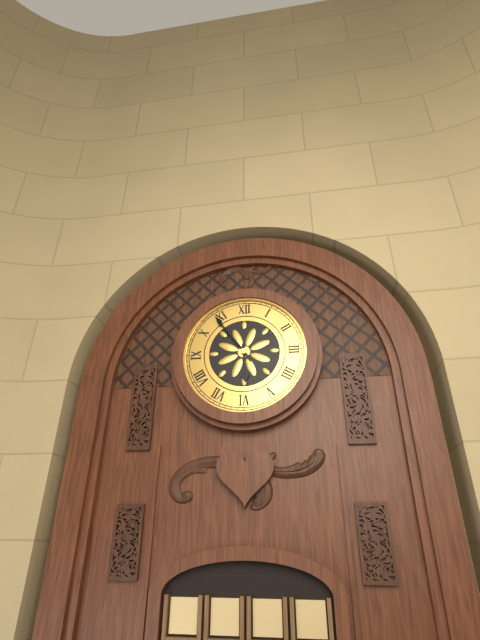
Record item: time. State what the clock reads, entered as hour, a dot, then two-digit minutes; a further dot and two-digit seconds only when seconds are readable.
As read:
5.54
